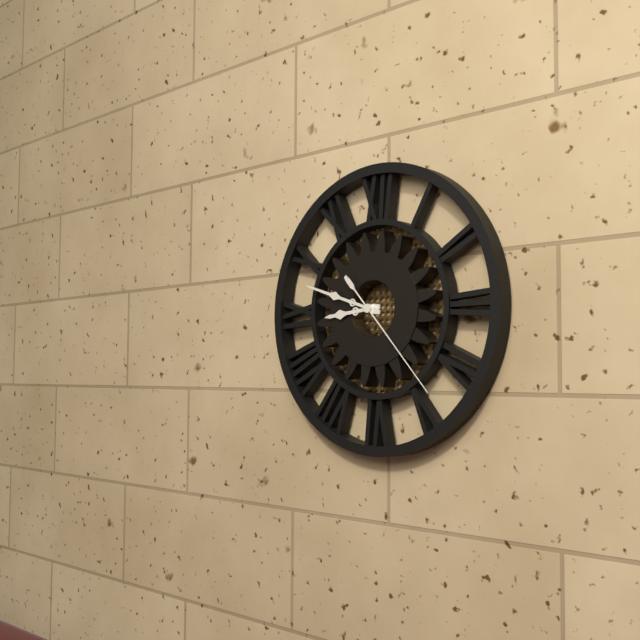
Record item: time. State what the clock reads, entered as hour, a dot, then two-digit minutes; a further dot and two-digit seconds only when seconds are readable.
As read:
8.48.23
